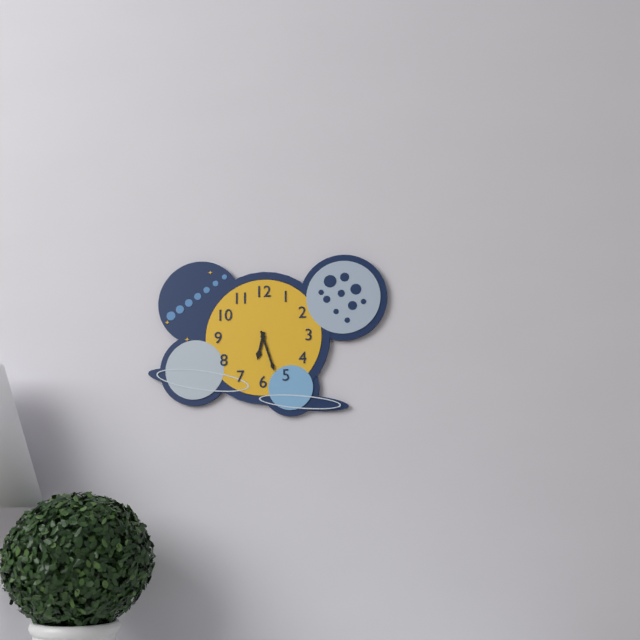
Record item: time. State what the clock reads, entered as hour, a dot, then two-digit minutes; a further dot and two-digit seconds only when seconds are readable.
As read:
6.27
